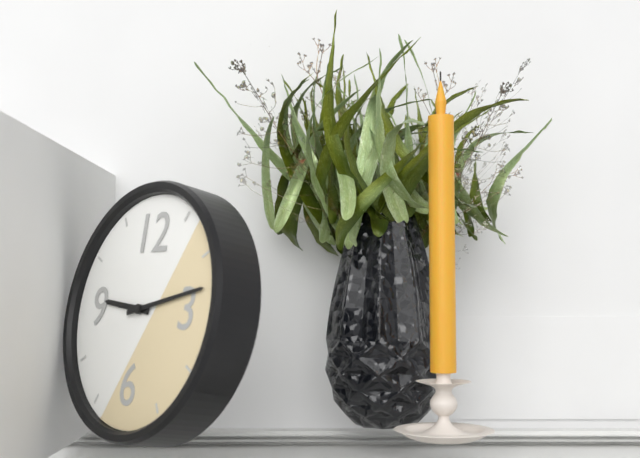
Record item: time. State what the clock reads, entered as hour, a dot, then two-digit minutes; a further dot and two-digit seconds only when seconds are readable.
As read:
9.13
